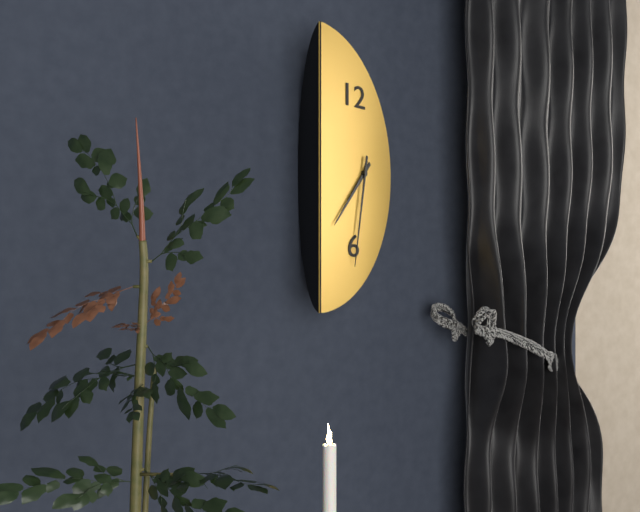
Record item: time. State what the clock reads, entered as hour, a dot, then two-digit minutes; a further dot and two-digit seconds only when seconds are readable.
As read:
7.32
